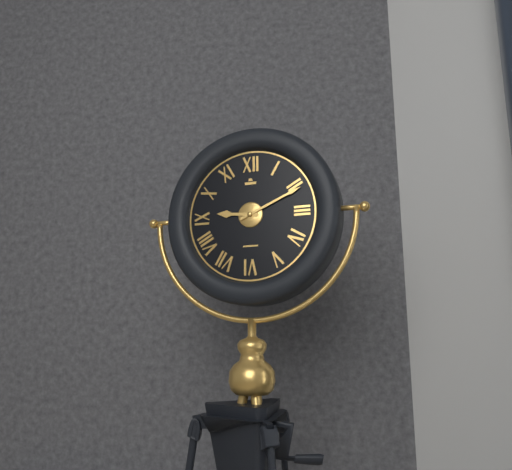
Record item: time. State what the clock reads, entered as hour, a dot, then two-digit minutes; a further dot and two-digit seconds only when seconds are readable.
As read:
9.11
